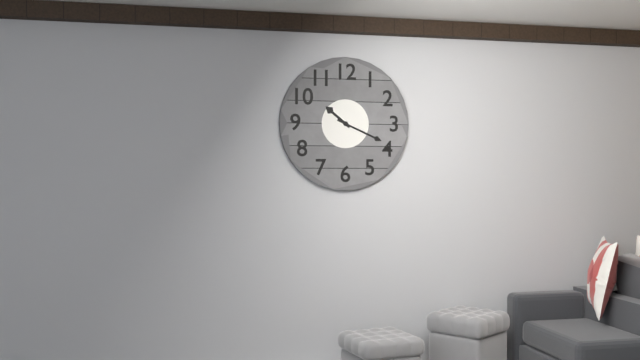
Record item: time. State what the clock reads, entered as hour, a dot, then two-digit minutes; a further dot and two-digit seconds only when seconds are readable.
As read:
10.19
